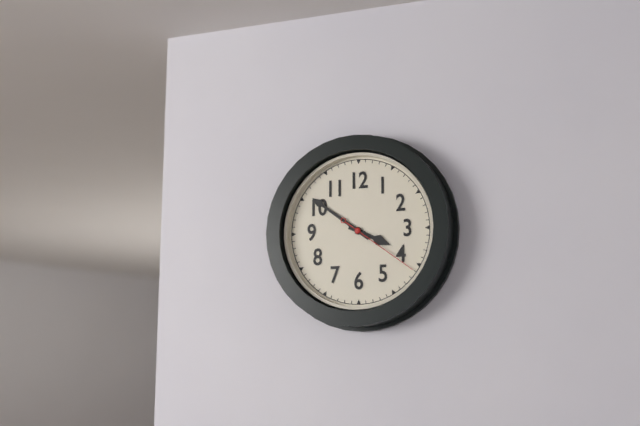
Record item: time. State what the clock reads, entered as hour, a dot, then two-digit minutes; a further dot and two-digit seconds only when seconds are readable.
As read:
3.51.21
